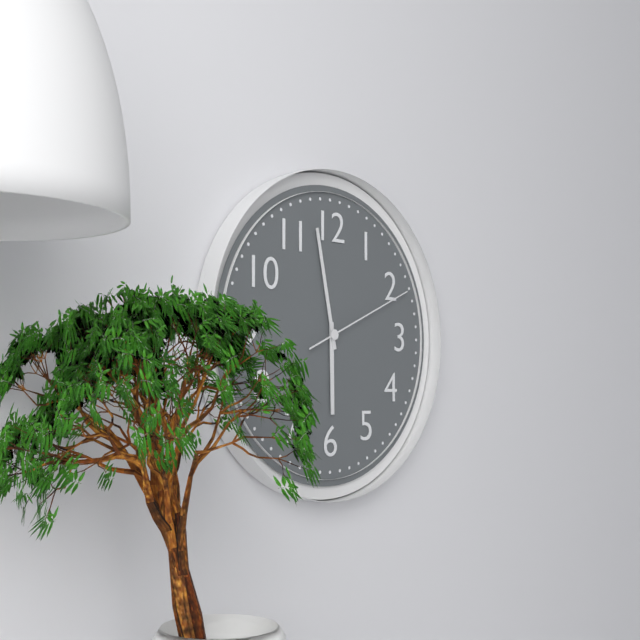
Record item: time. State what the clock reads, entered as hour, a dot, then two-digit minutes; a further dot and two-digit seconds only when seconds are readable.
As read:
5.58.11
